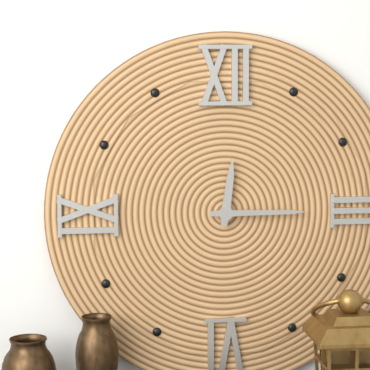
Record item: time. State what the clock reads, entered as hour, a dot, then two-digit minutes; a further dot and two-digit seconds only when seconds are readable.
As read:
12.15
